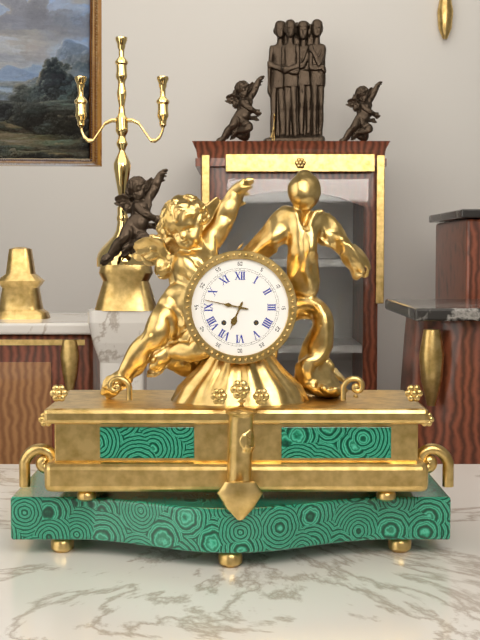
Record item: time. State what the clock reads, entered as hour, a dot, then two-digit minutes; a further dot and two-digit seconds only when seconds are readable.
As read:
6.47
